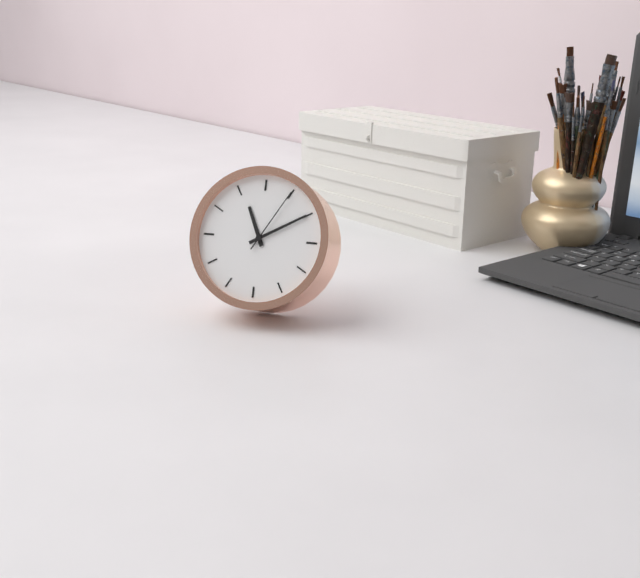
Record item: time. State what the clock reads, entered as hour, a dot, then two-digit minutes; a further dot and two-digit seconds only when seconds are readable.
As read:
11.10.05
